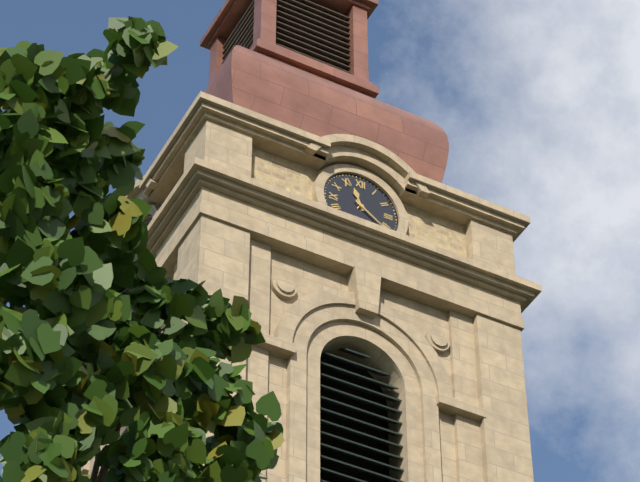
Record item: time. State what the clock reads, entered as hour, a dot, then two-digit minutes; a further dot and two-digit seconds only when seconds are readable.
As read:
11.21
